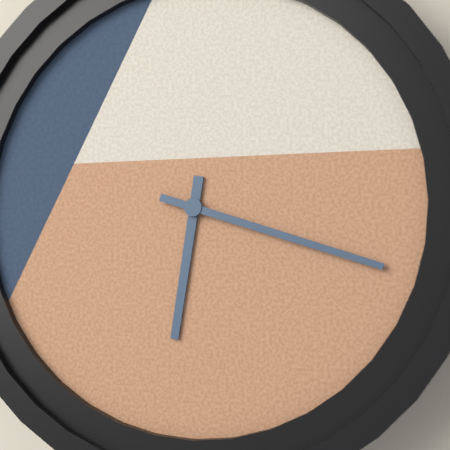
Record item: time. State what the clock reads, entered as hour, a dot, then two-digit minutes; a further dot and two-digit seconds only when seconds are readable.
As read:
6.18
